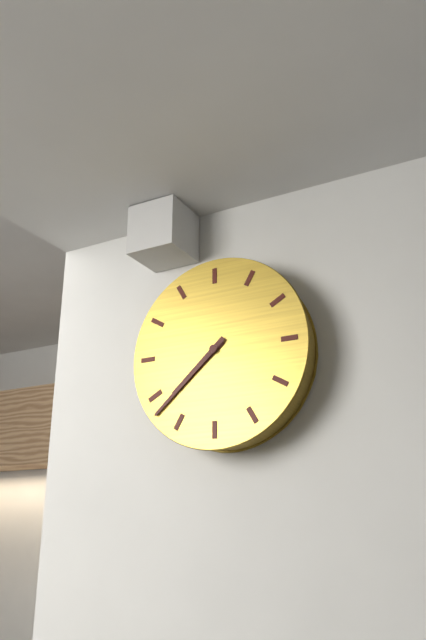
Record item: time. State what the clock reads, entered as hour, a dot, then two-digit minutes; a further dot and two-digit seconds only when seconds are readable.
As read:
7.38
